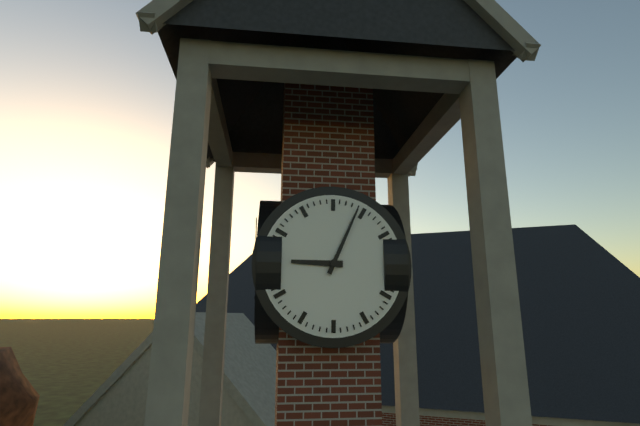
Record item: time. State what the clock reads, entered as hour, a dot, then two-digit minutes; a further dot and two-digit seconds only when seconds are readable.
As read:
9.04
